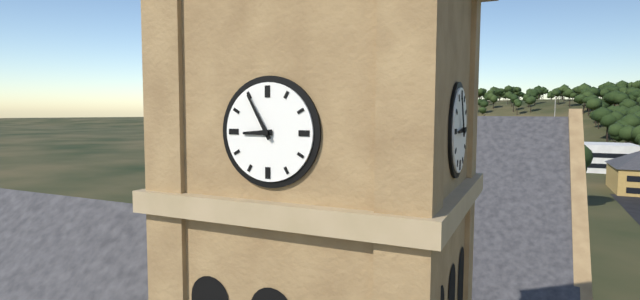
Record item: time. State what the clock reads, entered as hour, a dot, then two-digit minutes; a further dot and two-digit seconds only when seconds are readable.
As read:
8.55
